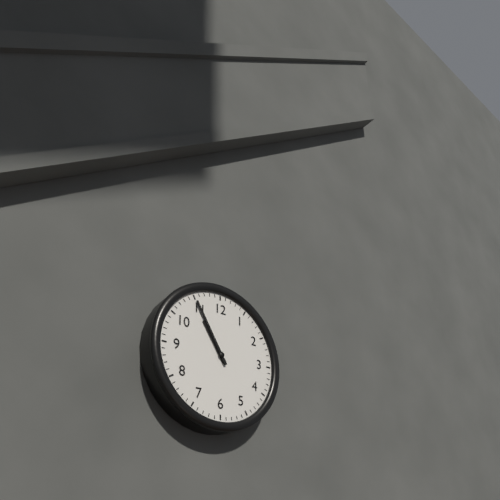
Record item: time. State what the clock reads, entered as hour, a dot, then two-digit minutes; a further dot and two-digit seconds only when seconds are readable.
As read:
10.55
